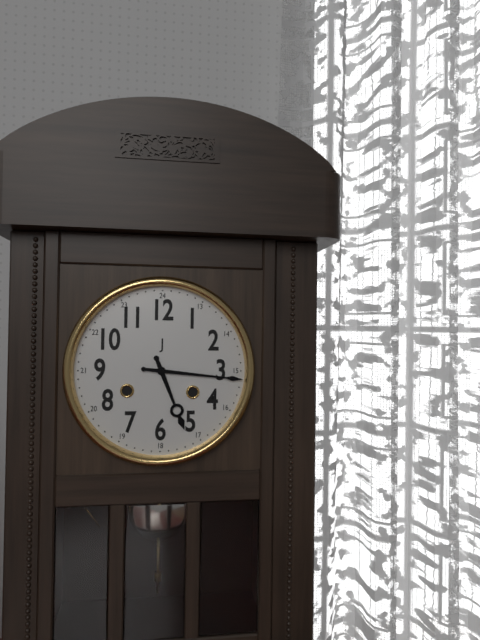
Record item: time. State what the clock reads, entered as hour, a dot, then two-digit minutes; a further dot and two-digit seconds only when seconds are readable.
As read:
5.16
